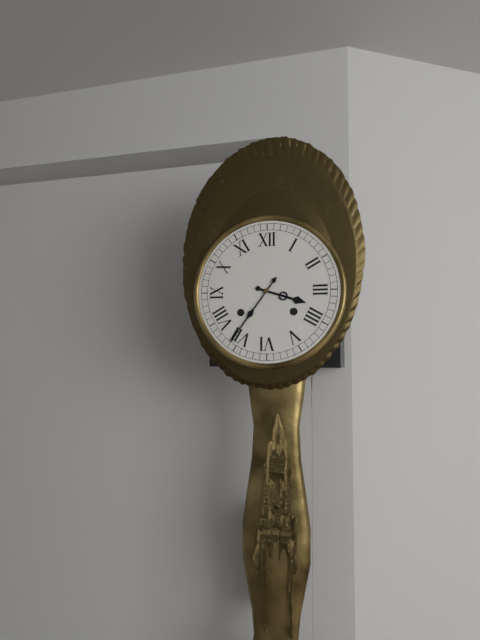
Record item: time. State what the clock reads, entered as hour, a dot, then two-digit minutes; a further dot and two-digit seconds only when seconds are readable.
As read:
3.36
